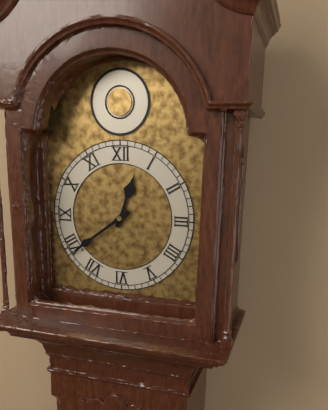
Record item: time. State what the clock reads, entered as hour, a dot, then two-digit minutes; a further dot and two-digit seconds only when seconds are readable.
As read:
12.39
